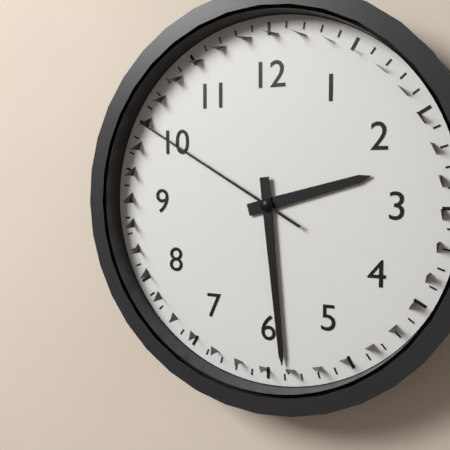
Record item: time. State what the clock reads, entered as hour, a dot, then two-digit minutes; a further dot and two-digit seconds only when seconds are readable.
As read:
2.29.50
